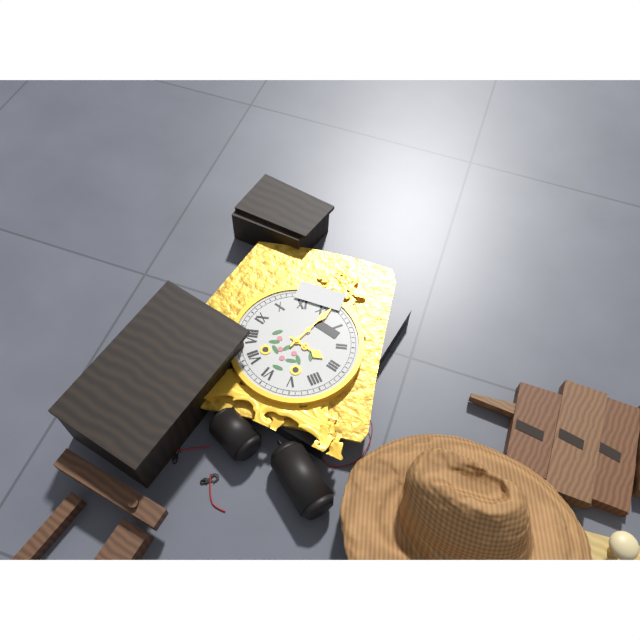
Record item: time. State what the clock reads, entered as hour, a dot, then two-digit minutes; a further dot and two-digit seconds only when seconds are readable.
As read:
3.01
